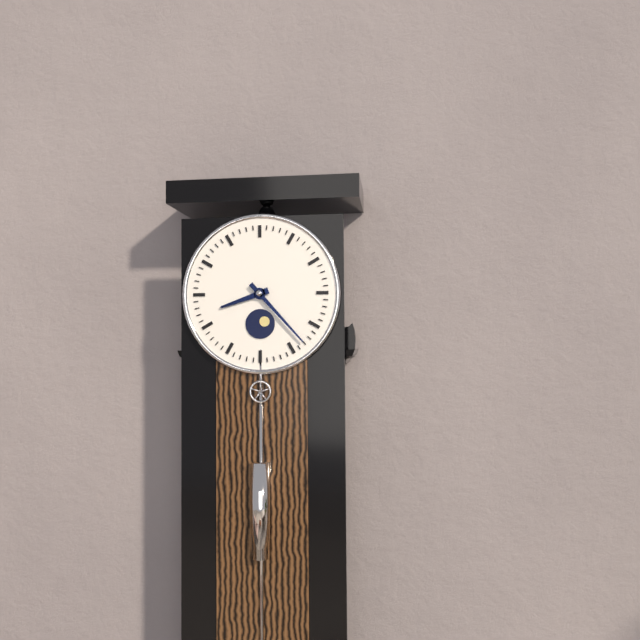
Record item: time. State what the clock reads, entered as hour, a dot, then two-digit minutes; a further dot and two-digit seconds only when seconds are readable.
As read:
8.23
